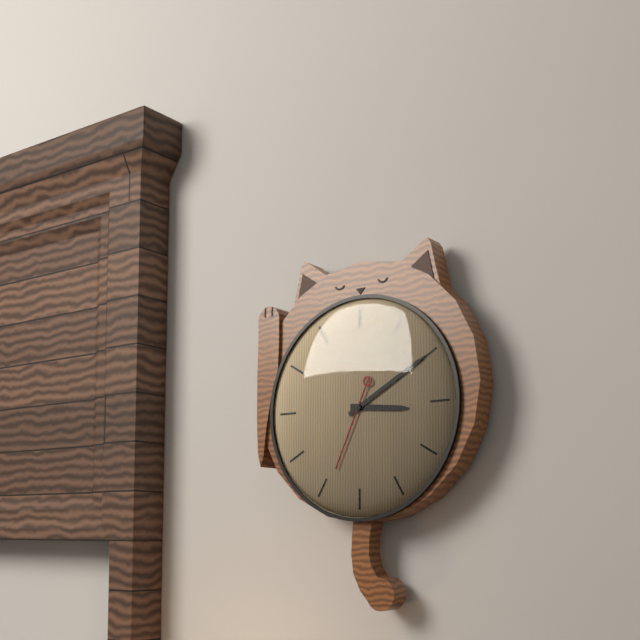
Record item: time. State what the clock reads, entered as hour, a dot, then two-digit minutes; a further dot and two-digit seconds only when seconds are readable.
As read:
3.10.34
